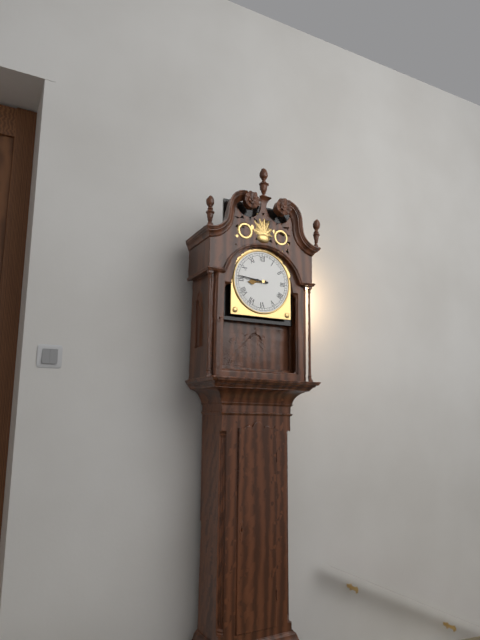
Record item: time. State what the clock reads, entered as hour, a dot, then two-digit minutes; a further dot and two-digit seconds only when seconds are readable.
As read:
8.46
